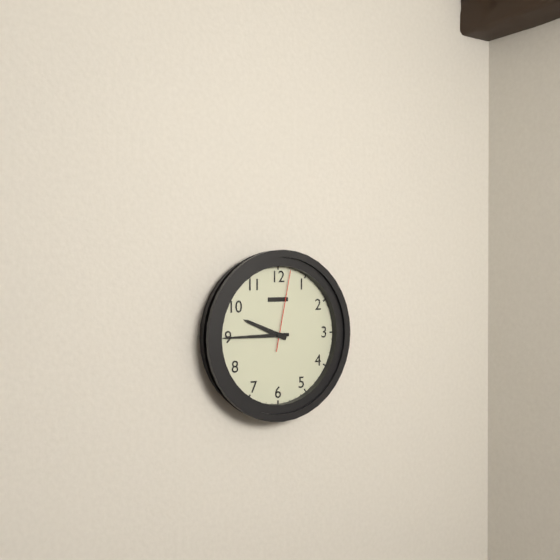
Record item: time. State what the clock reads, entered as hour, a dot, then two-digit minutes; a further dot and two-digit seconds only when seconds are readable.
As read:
9.45.02
